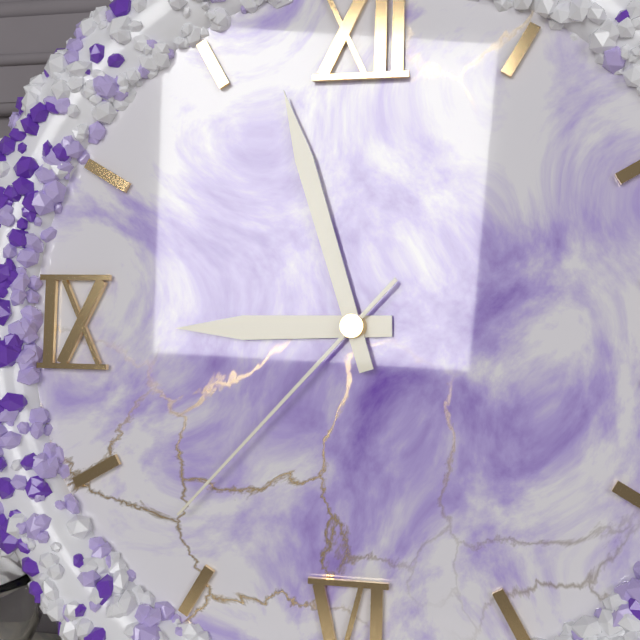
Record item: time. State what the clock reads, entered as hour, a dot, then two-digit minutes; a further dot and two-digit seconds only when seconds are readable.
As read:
8.57.37
